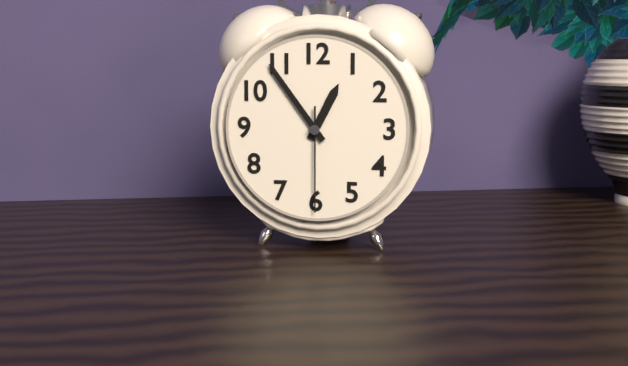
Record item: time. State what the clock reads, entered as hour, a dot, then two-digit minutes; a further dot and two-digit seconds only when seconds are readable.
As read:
12.54.30
